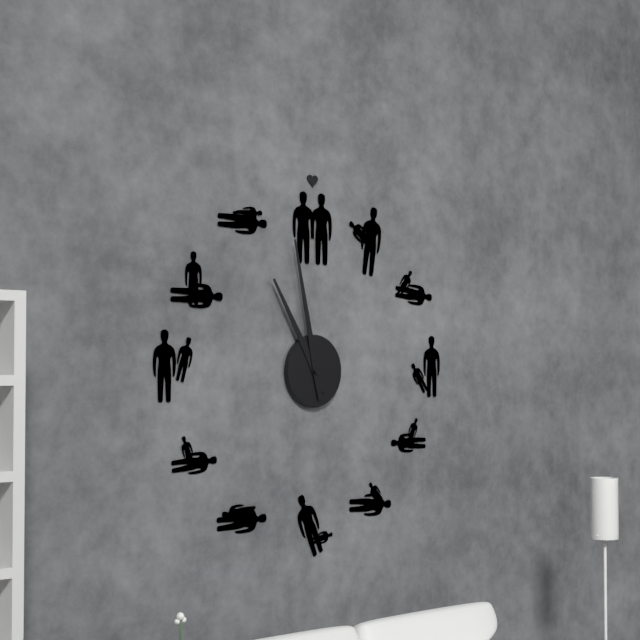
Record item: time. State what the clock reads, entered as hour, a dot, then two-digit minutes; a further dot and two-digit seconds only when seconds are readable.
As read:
10.58
